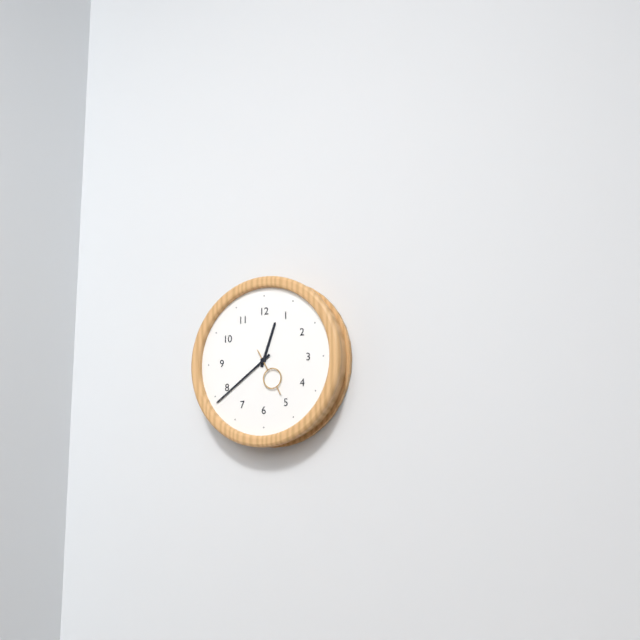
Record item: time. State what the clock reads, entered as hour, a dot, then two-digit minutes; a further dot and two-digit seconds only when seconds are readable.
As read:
12.39
